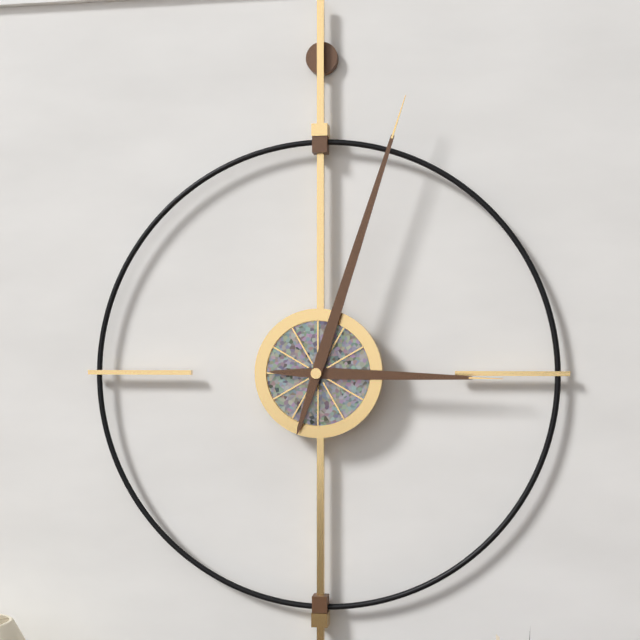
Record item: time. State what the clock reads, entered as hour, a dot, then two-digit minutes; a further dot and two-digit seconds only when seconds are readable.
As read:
3.03
